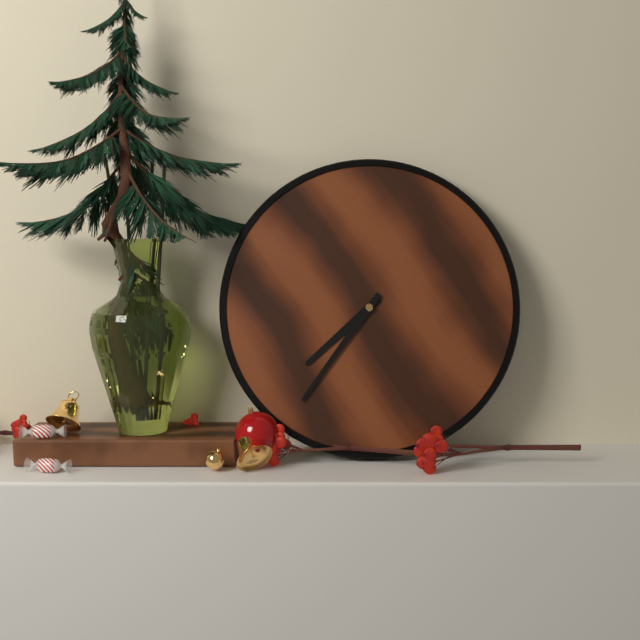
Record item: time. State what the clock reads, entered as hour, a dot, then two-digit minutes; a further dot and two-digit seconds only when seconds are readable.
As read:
7.36
